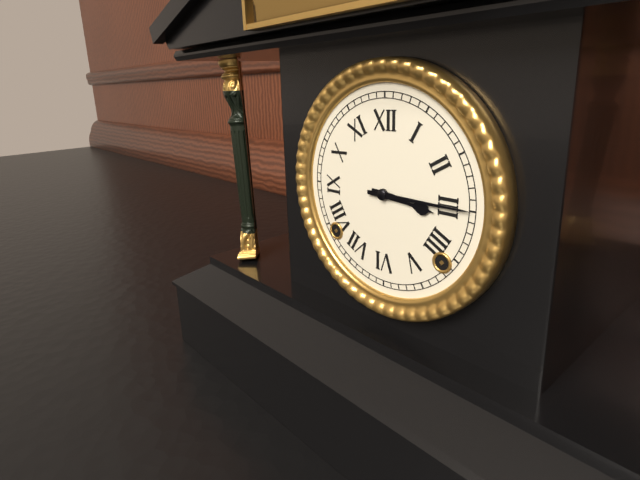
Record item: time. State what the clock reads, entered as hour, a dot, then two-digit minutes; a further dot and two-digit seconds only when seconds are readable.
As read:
3.15
